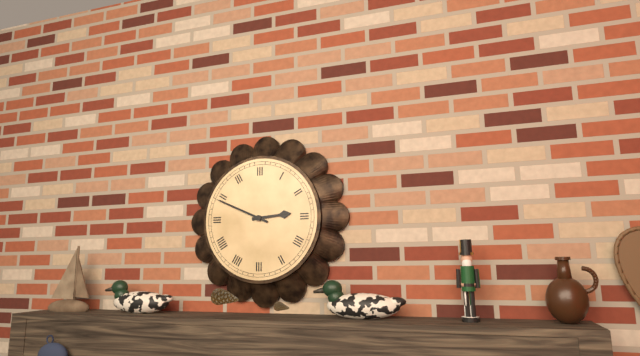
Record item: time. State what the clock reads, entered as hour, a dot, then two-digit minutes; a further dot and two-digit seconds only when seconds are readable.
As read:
2.49
